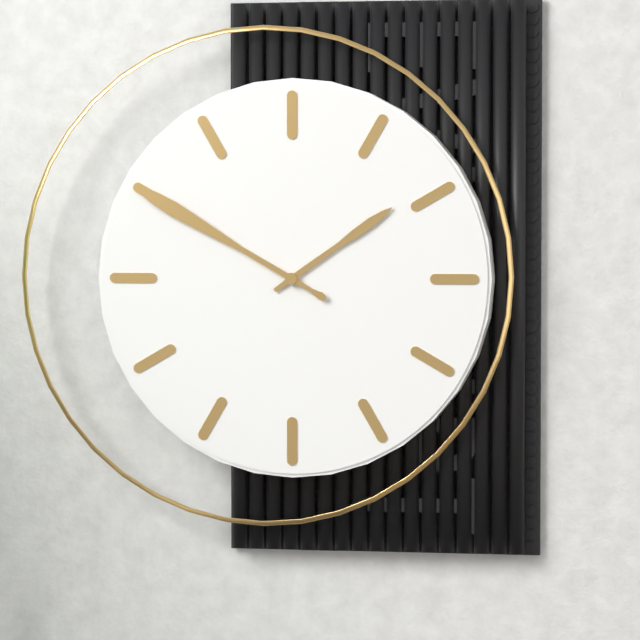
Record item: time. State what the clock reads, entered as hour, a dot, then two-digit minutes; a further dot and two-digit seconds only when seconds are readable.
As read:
1.50
